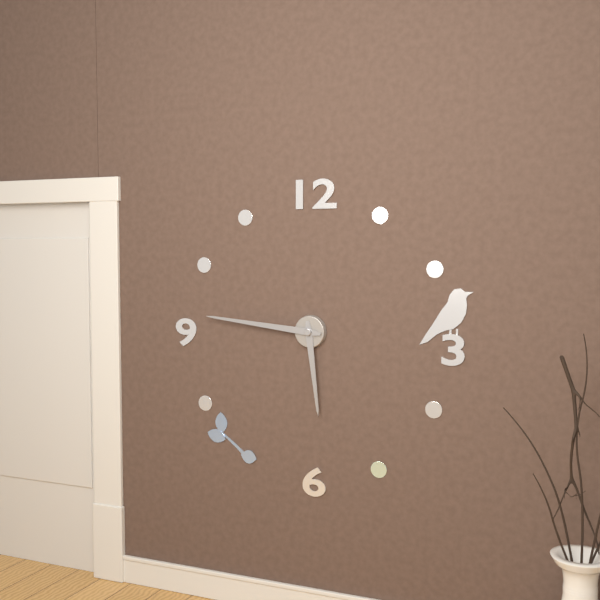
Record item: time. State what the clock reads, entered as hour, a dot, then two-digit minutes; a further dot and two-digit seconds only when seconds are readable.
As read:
5.46
